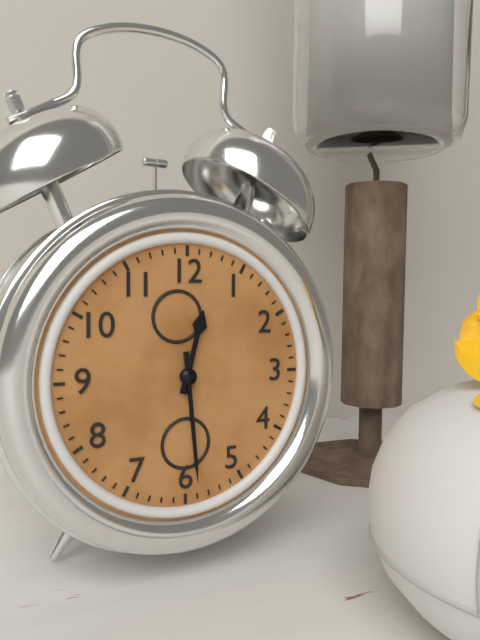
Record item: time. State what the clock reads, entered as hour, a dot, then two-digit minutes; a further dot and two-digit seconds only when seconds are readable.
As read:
12.29
